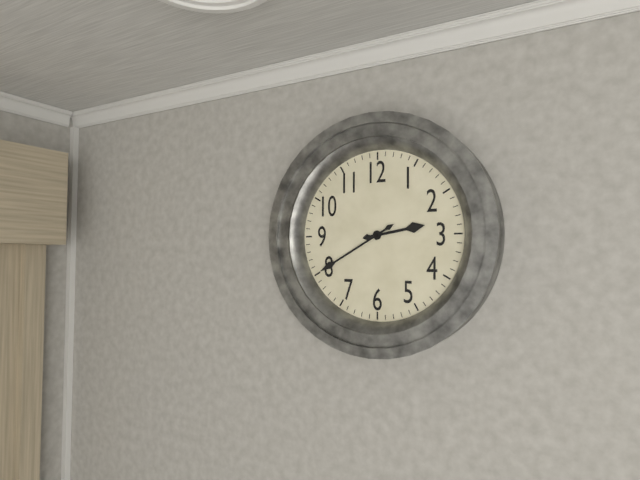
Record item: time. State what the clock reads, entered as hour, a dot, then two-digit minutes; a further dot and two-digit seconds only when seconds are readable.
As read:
2.40
